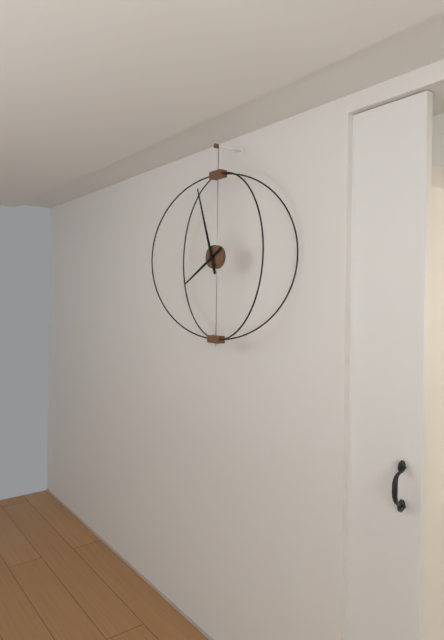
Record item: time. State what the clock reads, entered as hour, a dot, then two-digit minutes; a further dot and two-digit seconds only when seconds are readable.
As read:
7.57
